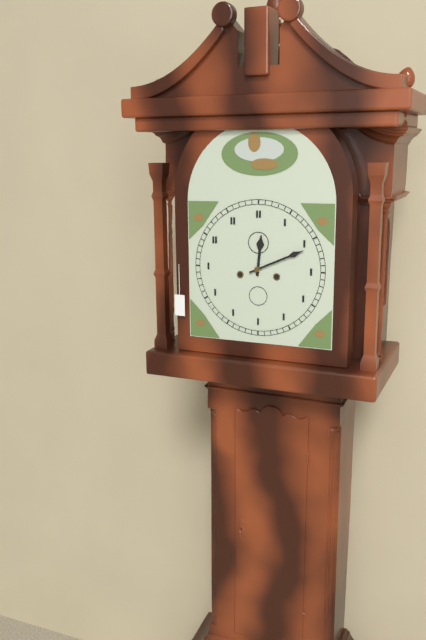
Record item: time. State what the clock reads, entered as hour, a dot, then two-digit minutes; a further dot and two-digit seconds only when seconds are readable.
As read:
12.11
